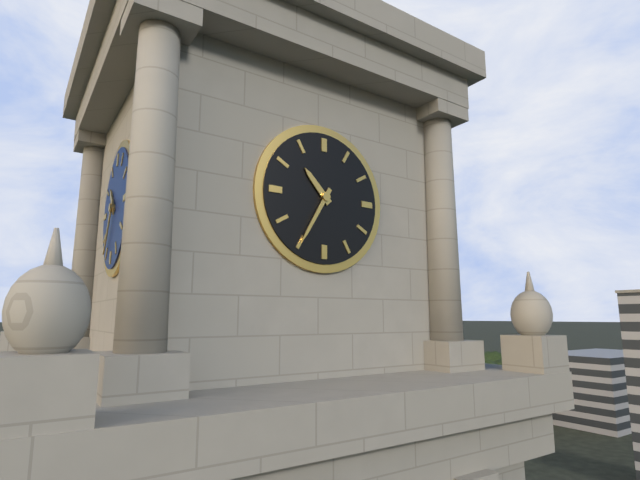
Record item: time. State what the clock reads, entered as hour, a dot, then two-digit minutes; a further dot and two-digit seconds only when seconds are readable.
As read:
10.35
